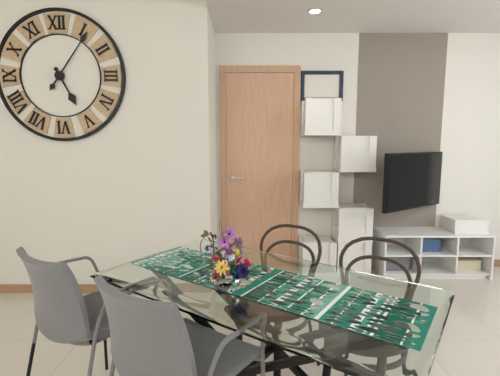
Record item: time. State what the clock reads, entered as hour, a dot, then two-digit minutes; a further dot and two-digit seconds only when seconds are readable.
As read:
5.06
